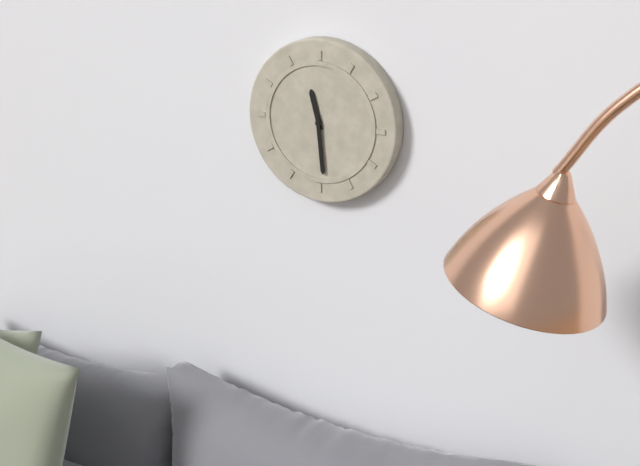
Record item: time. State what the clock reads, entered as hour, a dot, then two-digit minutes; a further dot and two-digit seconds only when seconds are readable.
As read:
11.29
